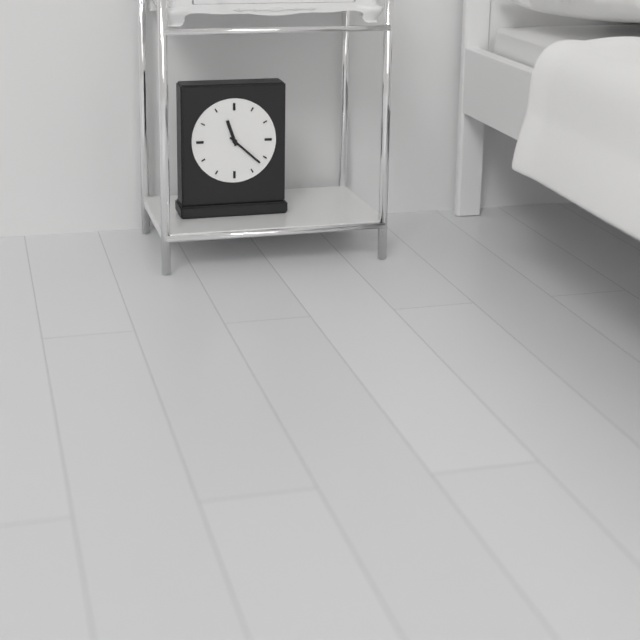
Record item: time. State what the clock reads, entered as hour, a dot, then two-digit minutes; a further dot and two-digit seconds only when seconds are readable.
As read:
11.22
